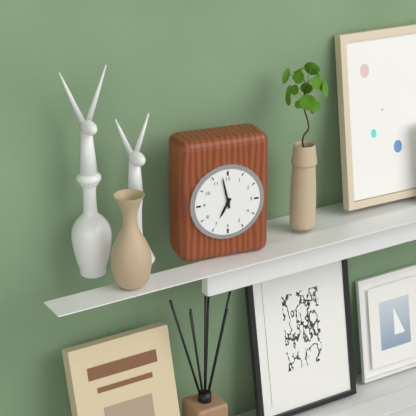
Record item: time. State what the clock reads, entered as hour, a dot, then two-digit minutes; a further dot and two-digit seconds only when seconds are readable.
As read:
6.58
